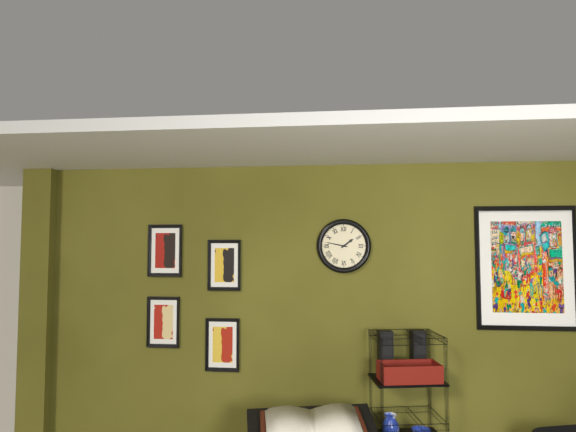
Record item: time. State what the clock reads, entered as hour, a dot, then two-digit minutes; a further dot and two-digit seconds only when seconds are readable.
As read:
1.47
